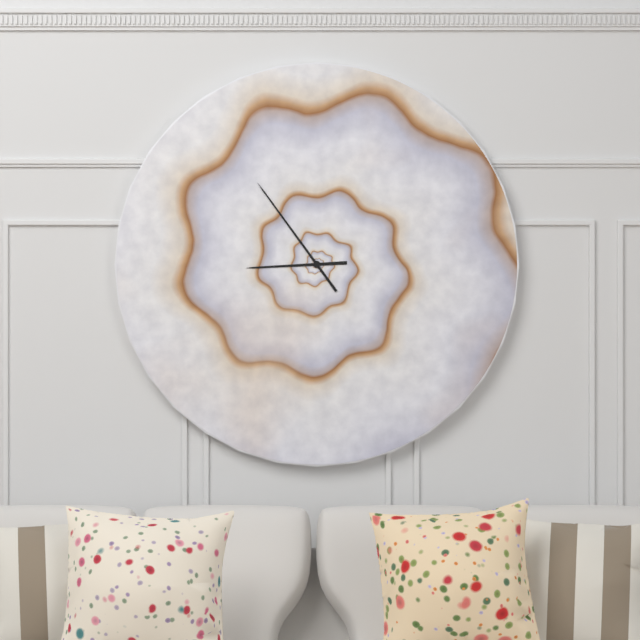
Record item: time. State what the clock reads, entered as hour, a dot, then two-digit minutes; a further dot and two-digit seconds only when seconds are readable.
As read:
8.54
